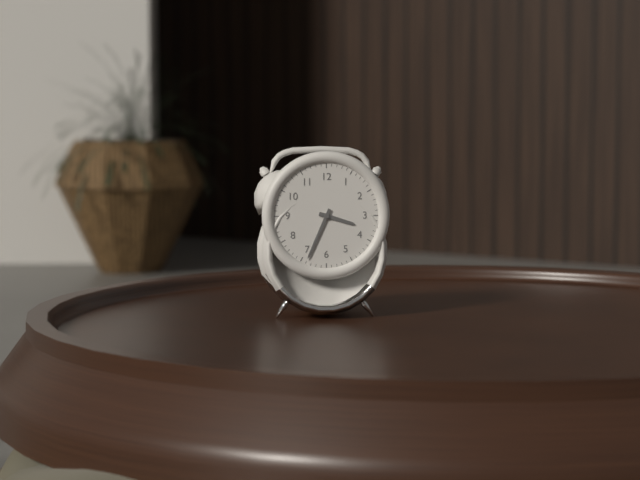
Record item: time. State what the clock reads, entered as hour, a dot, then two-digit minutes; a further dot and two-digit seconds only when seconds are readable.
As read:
3.34
